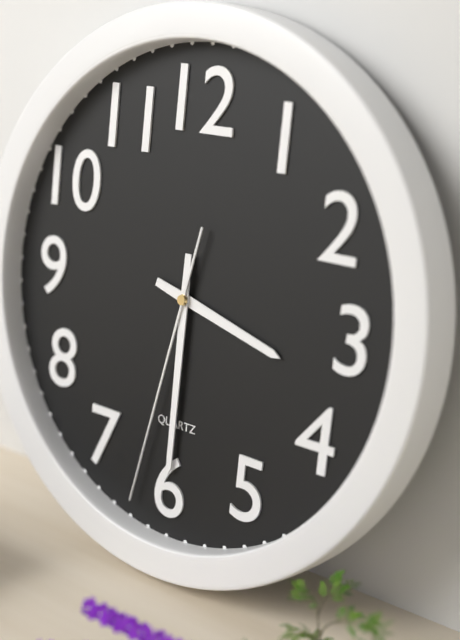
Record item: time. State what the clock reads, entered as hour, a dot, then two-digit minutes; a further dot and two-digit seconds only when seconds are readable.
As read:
3.30.32
